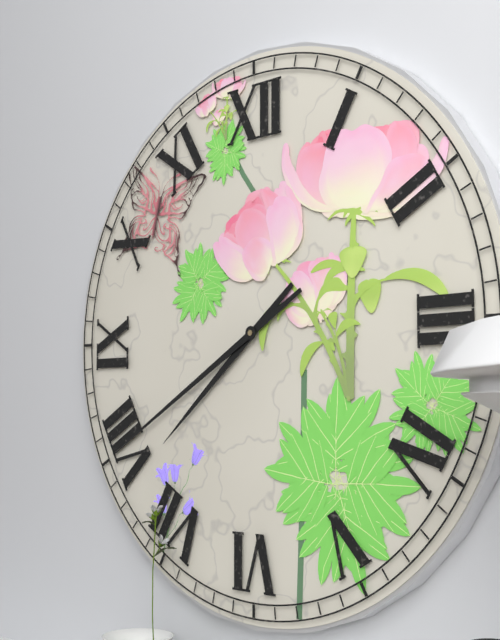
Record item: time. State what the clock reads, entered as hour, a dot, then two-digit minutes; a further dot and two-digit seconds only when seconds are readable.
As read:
7.40
